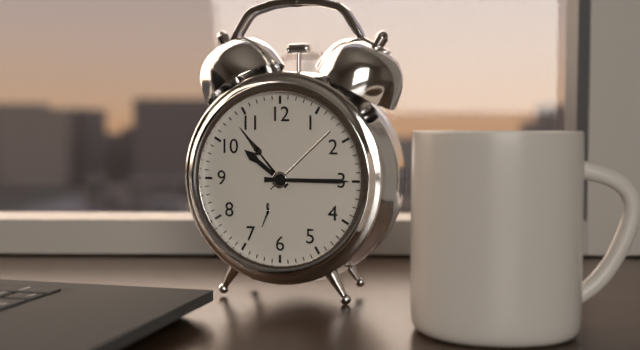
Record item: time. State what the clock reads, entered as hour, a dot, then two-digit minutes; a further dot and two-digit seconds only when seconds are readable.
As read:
10.15
